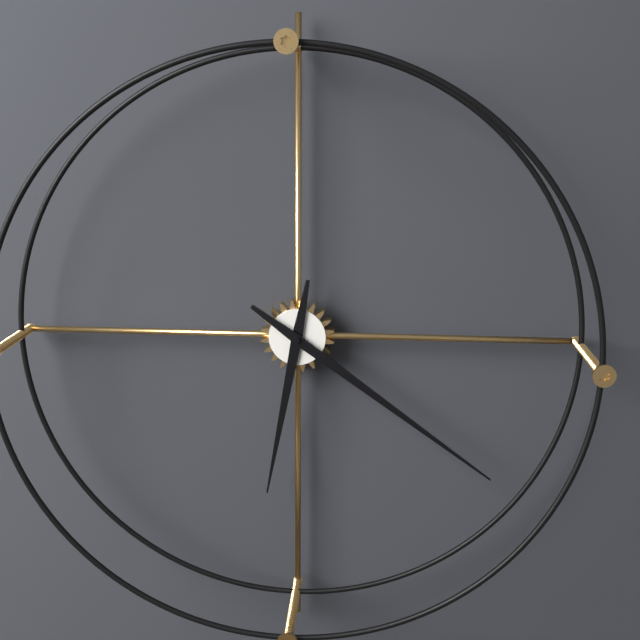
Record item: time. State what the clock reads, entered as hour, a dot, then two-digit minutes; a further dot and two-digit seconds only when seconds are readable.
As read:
6.21
